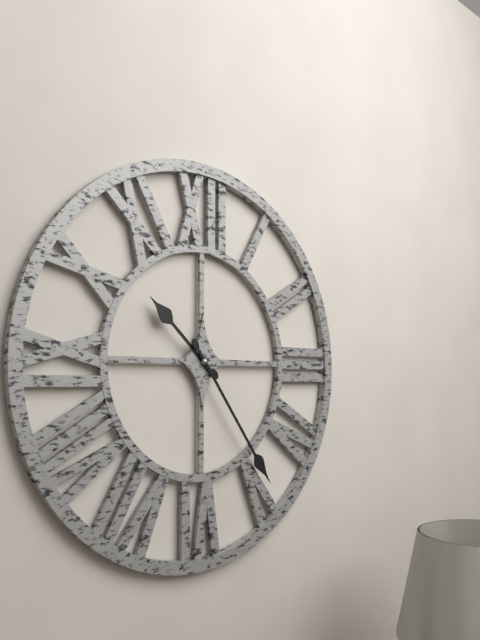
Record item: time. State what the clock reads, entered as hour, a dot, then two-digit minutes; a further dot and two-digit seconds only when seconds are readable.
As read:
10.24
